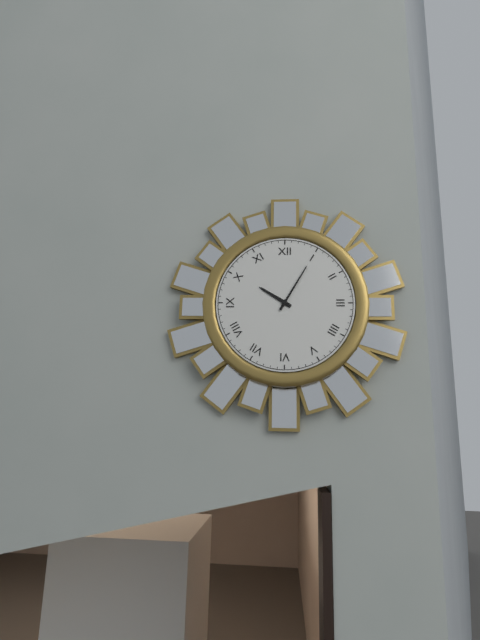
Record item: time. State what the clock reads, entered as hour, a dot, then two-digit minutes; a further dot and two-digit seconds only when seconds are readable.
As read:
10.05
